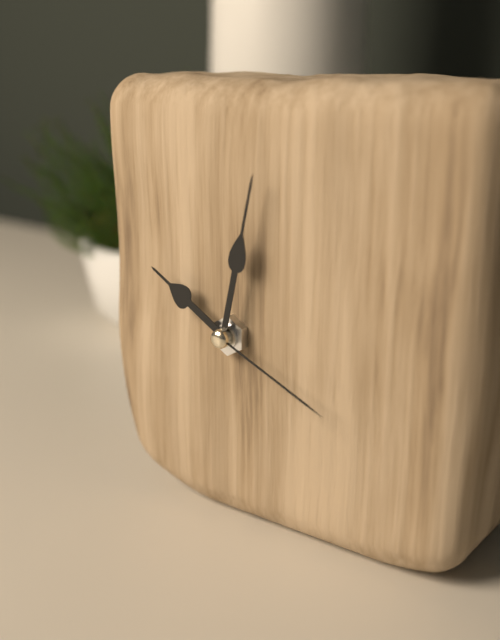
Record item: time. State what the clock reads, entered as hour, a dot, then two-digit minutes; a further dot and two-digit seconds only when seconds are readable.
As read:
10.02.19
